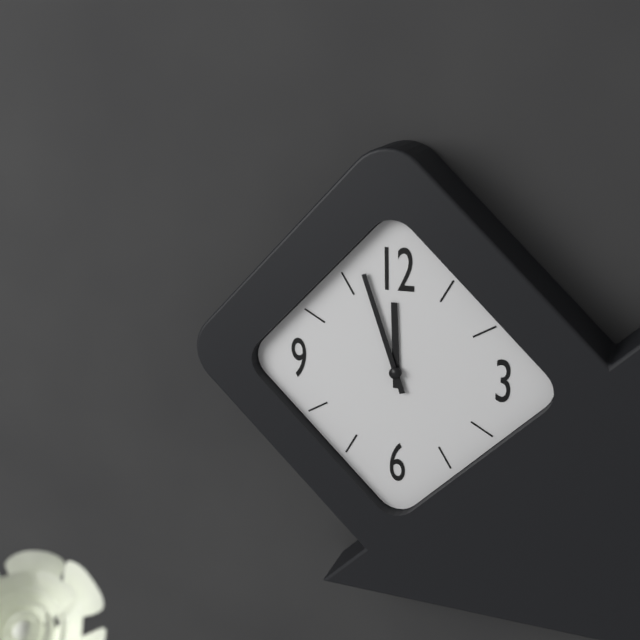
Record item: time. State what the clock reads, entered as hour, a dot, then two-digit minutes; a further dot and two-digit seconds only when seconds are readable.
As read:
11.57
